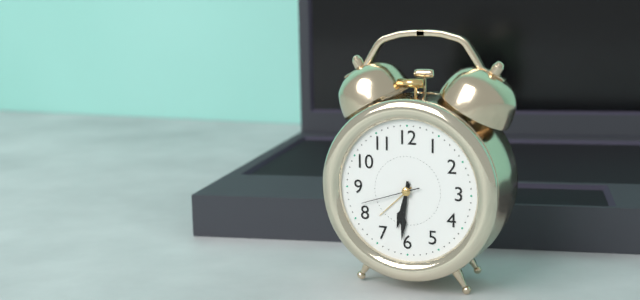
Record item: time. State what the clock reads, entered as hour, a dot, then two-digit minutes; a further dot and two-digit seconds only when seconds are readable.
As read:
6.31.42
